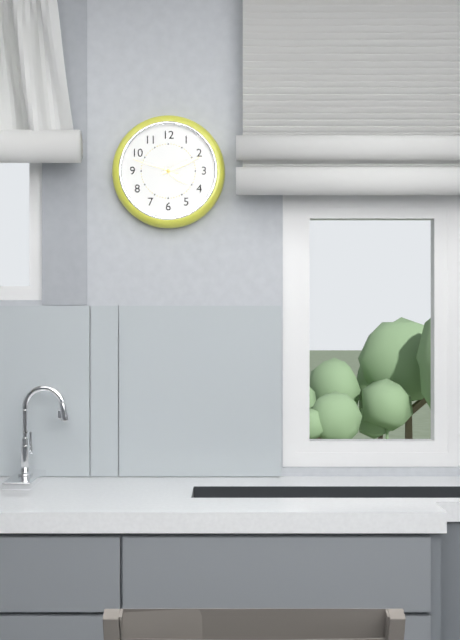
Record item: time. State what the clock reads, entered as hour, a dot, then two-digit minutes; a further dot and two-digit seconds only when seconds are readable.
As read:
4.11
